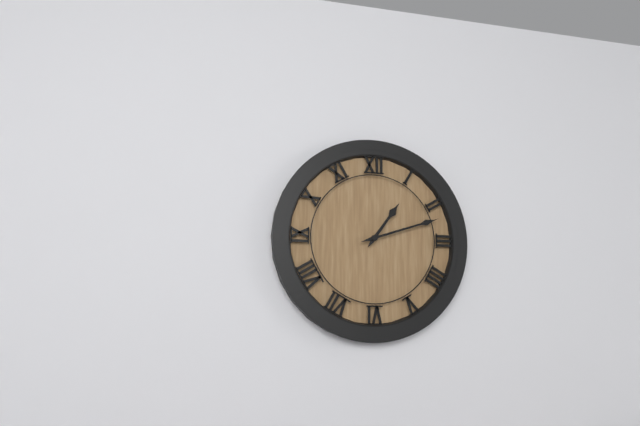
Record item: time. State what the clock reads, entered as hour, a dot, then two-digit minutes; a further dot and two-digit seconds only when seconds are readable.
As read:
1.12
